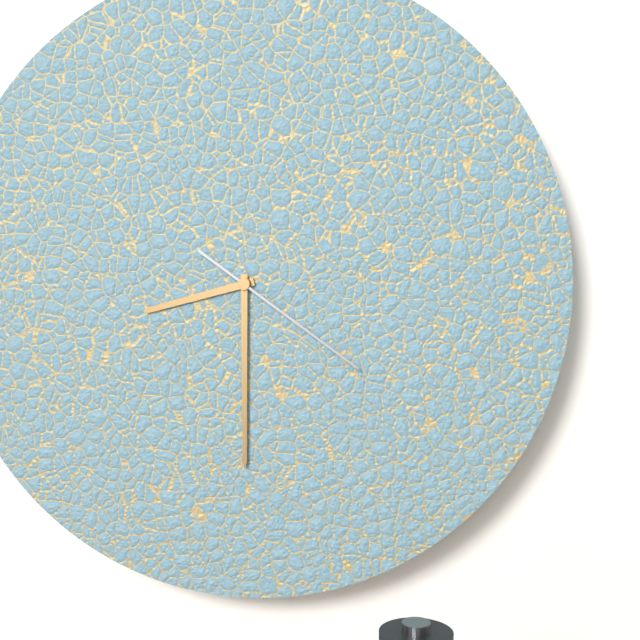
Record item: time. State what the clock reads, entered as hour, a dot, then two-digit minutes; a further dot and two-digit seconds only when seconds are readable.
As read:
8.30.21
